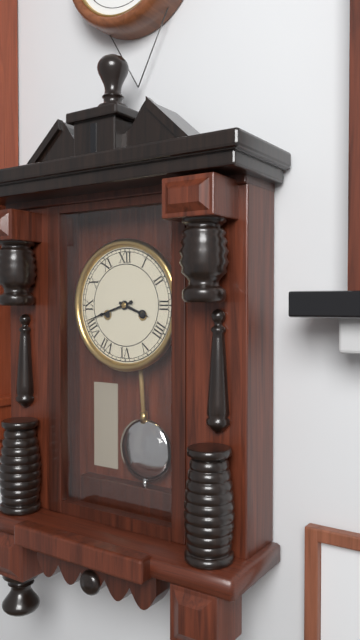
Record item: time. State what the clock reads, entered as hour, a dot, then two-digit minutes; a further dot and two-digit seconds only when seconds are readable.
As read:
3.42
